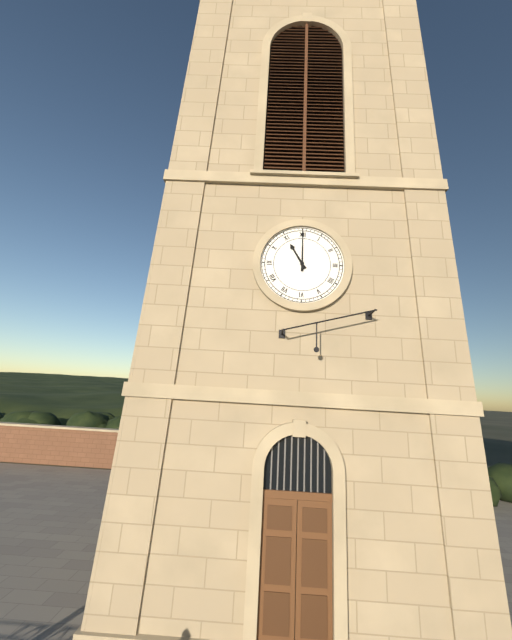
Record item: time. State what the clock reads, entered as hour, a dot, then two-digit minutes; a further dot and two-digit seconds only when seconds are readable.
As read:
11.00
